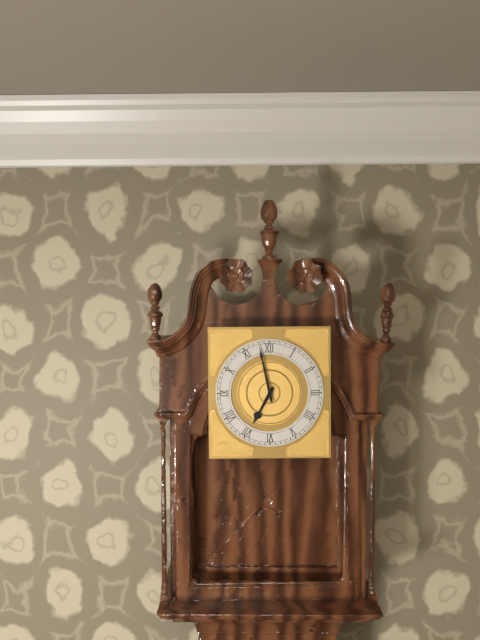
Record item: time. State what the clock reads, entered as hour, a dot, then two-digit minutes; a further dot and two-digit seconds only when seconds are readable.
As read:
6.58
